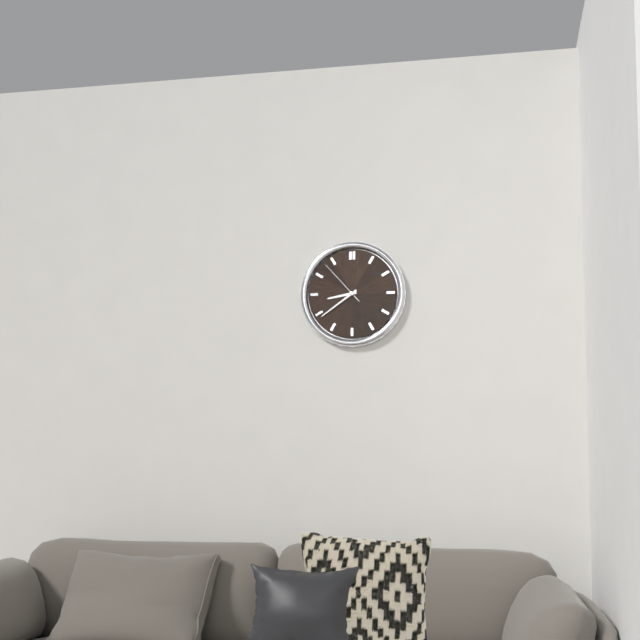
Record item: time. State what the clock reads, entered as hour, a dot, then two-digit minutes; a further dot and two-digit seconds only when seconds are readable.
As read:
8.39
